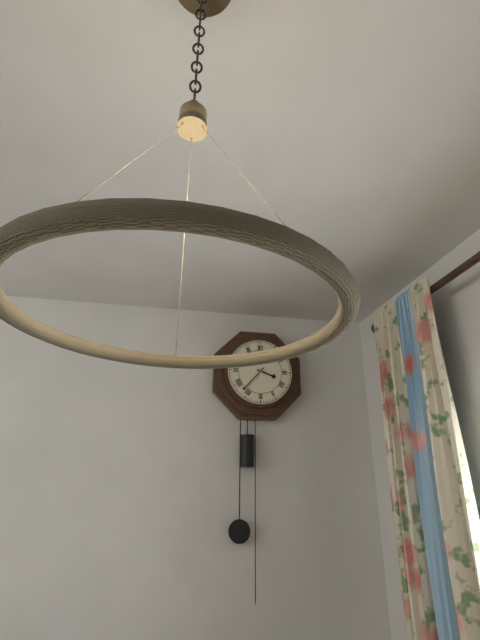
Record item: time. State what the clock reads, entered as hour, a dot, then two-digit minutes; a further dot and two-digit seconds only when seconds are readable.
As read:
3.37
